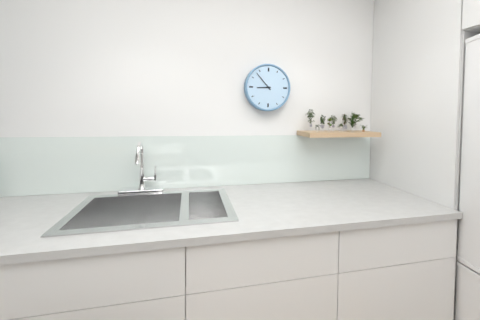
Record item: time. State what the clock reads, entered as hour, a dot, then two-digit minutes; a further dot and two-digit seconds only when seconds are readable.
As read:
8.53
